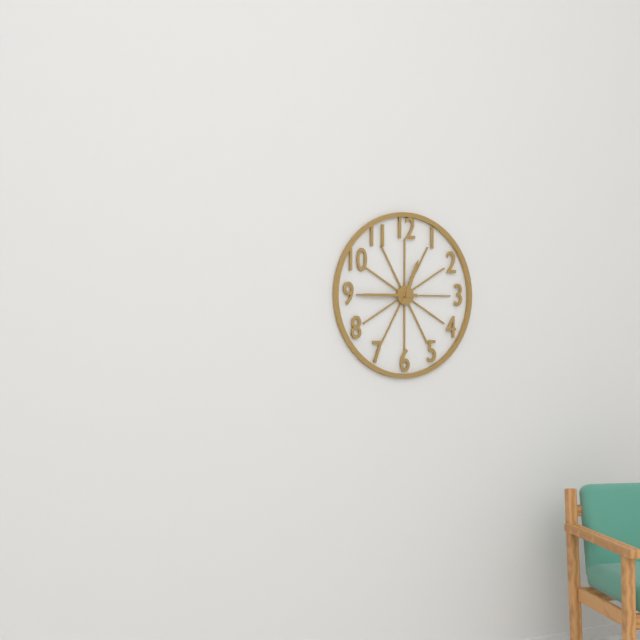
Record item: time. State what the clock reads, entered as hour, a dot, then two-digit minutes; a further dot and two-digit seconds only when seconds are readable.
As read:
12.45
